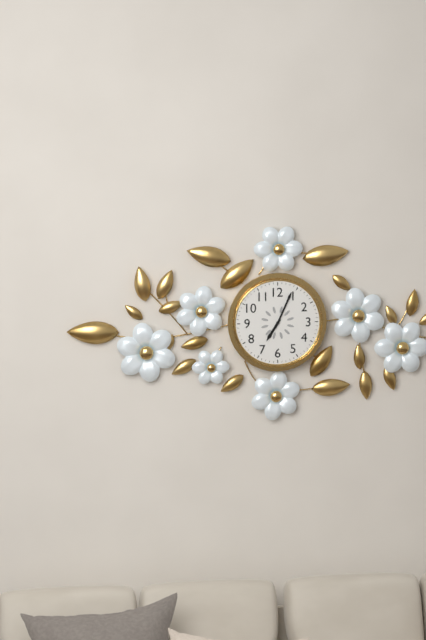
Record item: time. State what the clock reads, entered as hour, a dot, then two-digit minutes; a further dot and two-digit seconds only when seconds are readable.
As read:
7.04
